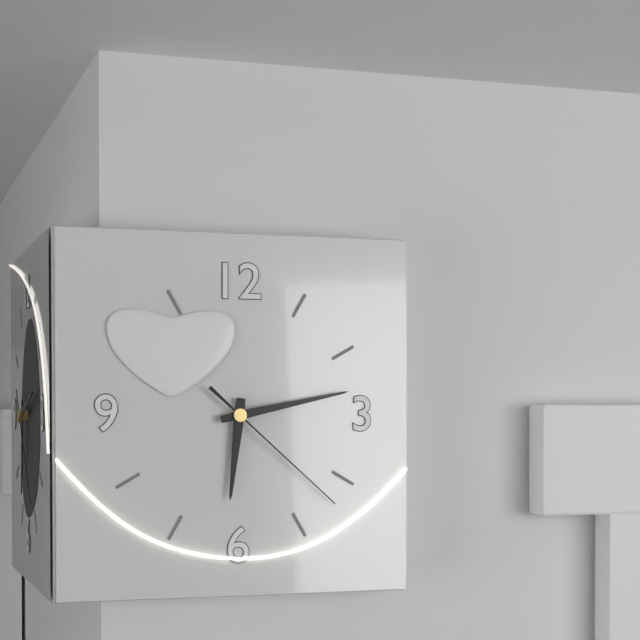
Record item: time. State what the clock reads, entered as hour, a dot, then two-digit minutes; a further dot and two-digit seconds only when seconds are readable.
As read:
6.13.22
